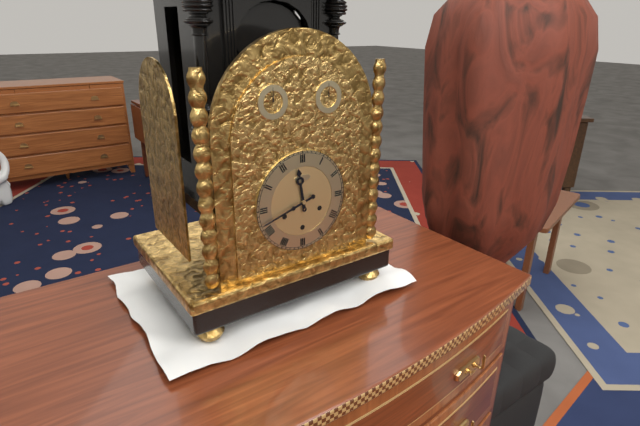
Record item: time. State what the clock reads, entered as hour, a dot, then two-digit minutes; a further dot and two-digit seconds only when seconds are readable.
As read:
11.42
